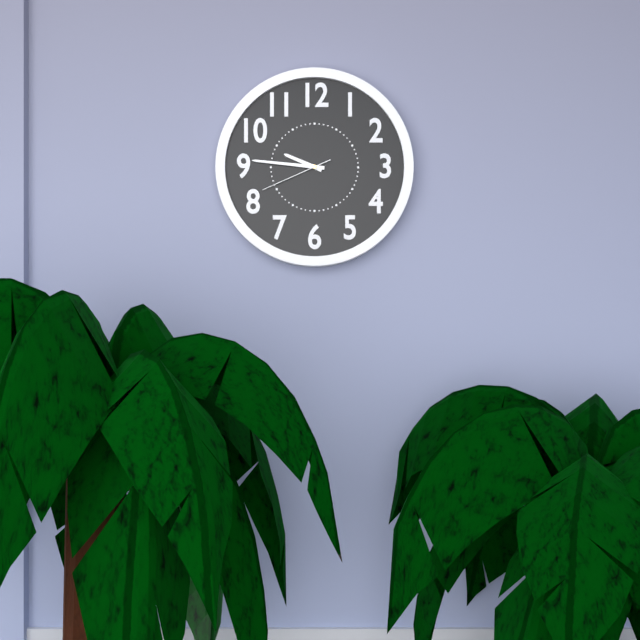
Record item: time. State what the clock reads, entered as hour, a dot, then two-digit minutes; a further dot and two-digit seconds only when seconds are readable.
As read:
9.46.41
